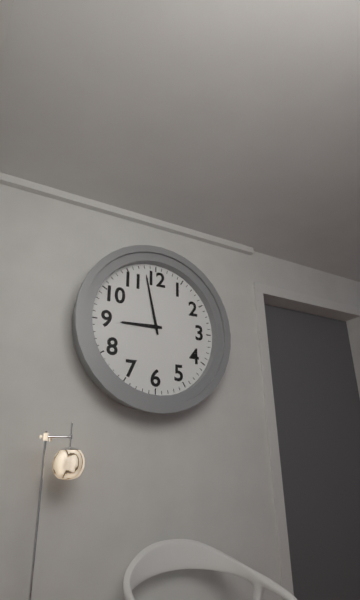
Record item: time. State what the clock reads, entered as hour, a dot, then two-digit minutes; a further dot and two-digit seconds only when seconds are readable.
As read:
8.58
